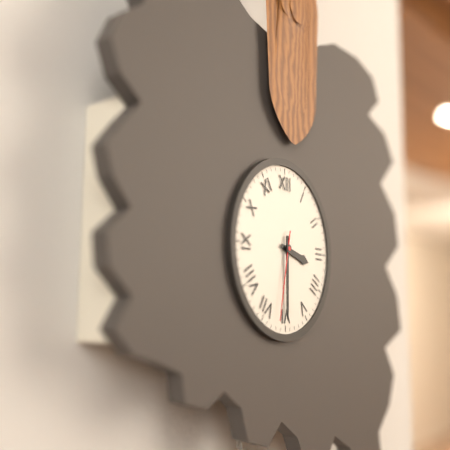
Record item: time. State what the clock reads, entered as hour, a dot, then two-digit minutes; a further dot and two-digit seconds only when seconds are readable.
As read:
3.30.32
